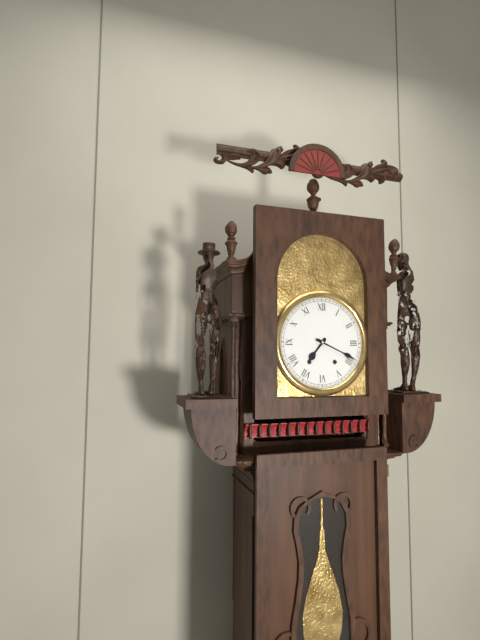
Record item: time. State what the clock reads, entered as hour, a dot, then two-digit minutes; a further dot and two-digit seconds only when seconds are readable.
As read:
7.19
